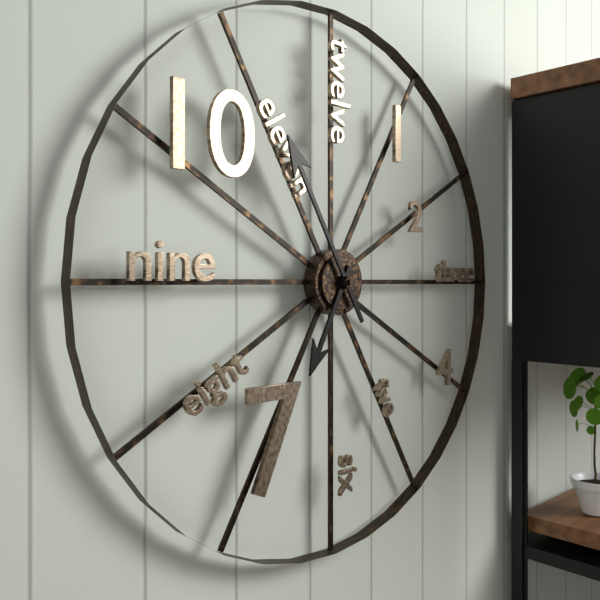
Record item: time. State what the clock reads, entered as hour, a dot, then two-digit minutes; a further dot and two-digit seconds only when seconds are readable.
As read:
6.55
